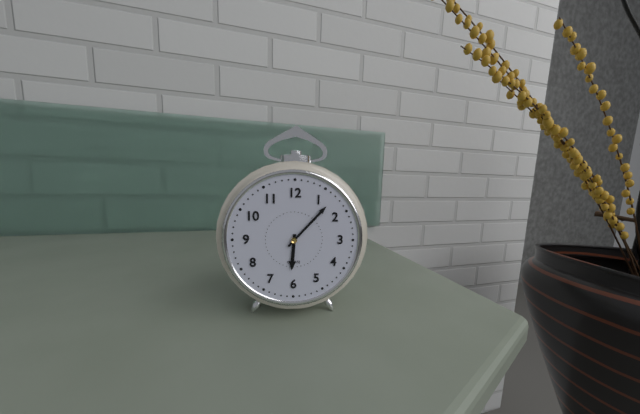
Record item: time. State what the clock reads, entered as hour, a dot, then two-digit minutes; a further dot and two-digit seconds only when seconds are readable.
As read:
6.07
